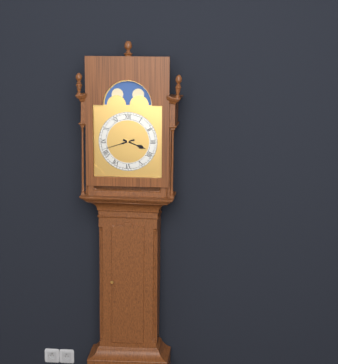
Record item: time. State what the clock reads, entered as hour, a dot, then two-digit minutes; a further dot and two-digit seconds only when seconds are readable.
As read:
3.42
